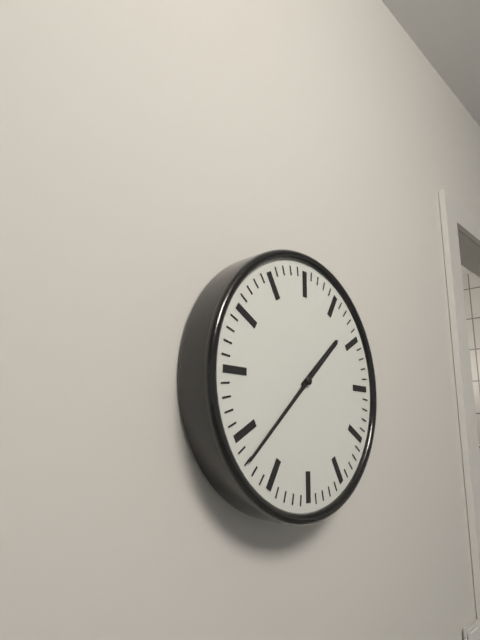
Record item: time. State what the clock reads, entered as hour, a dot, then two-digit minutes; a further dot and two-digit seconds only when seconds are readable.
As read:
1.38
